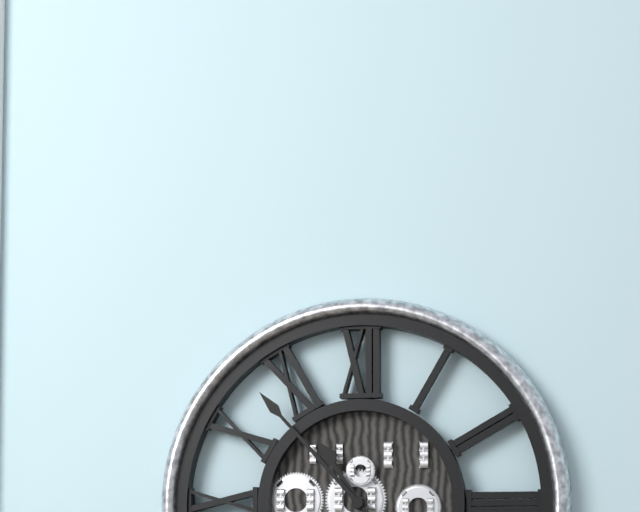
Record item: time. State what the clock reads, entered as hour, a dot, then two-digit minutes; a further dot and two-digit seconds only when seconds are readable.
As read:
10.53
